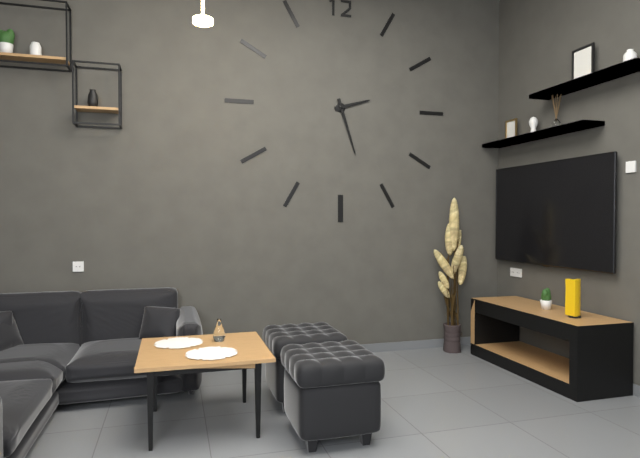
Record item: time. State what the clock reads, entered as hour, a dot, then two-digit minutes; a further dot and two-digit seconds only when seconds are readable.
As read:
2.27
